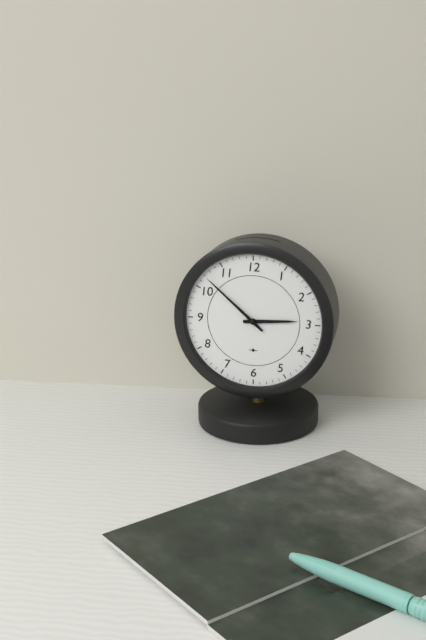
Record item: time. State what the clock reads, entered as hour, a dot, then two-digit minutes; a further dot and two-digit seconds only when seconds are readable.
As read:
2.52
